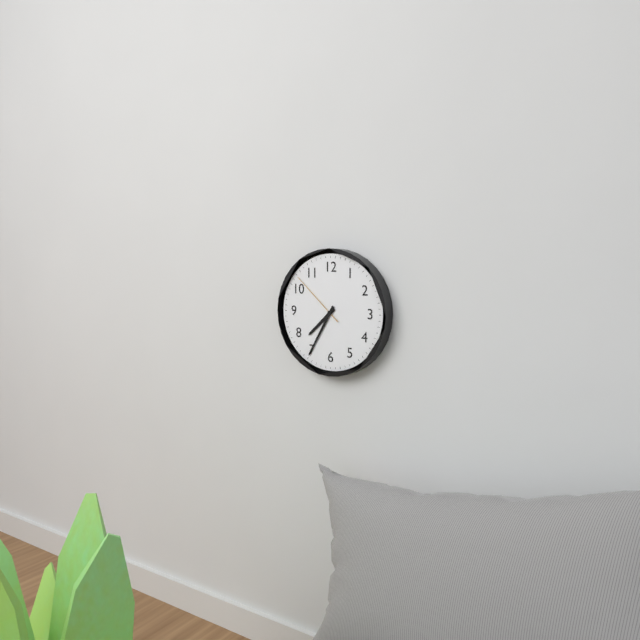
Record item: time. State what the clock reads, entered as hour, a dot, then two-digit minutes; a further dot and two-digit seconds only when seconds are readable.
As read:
7.35.52
